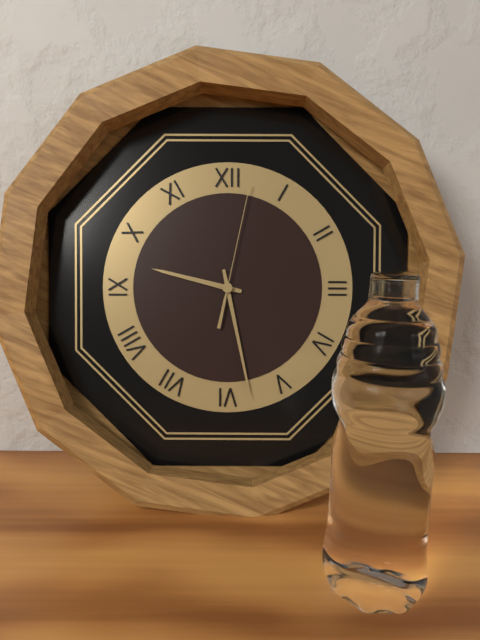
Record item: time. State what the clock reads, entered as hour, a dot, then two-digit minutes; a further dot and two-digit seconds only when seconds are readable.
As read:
9.28.02
